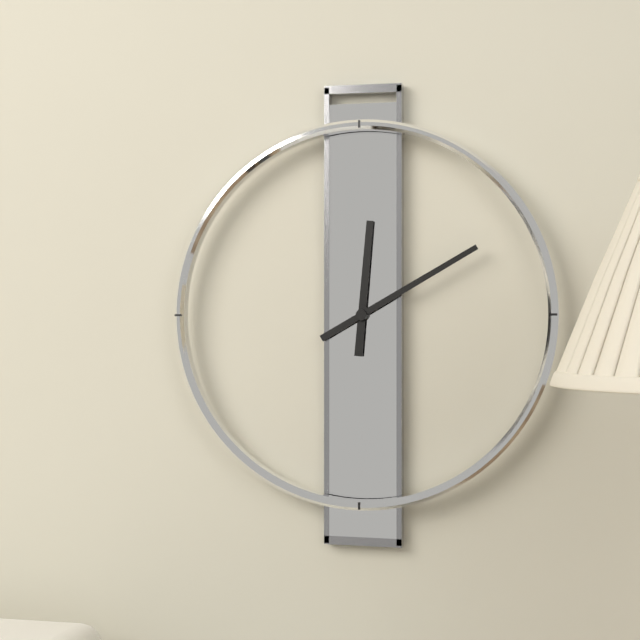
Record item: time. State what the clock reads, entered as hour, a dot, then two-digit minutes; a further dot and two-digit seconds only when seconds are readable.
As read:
12.10
